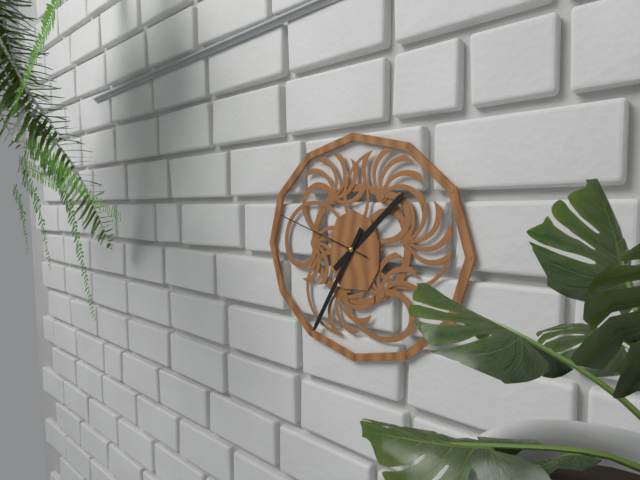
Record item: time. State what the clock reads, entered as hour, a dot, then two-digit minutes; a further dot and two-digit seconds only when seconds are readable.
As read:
1.35.48
